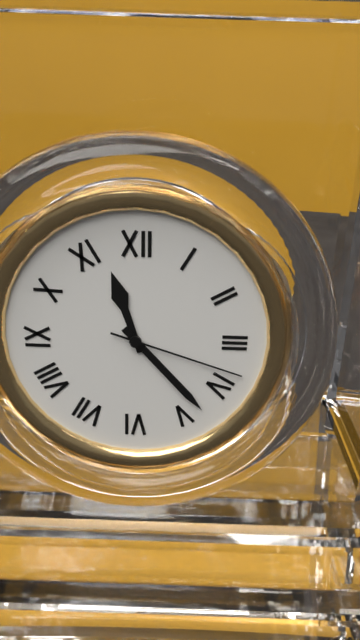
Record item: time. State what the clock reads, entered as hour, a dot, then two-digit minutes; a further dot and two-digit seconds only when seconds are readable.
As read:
11.23.18
